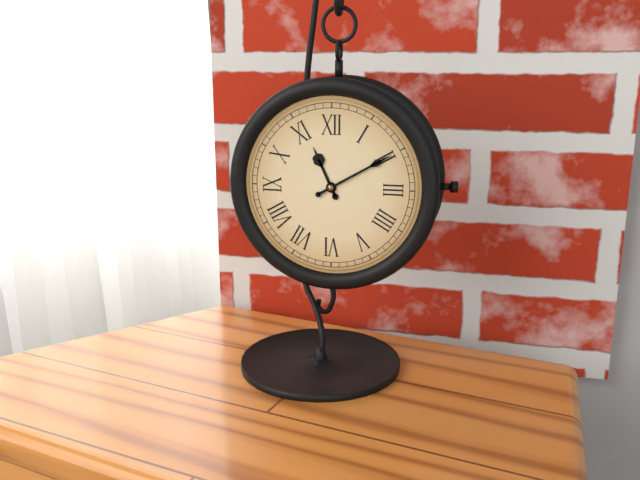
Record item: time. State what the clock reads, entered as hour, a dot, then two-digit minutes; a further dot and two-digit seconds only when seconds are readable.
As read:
11.10
